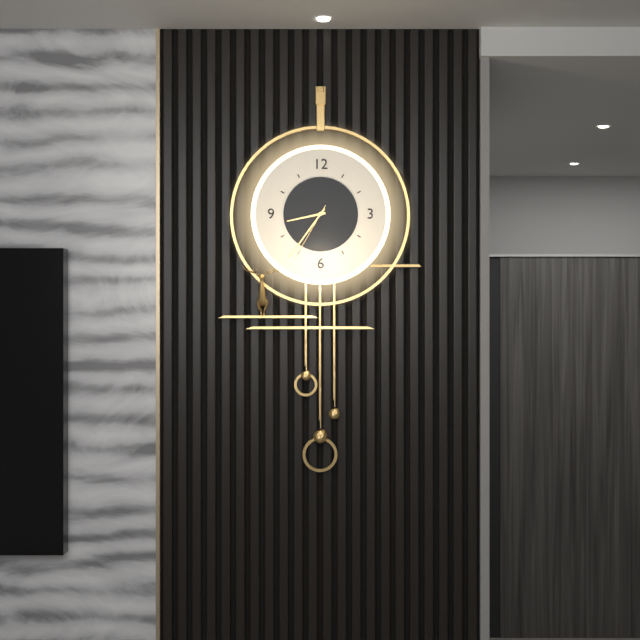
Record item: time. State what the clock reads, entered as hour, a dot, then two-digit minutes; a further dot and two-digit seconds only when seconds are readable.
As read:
8.36.35
